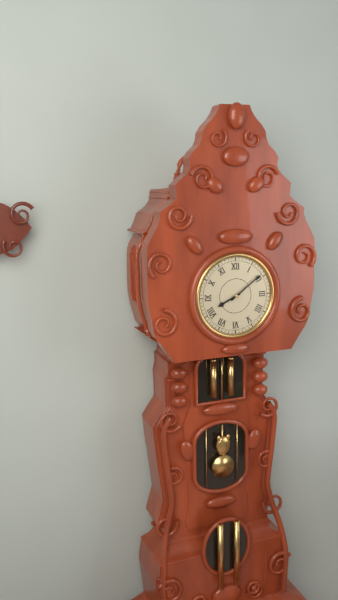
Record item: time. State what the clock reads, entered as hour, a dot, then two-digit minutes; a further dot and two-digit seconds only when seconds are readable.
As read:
8.09
